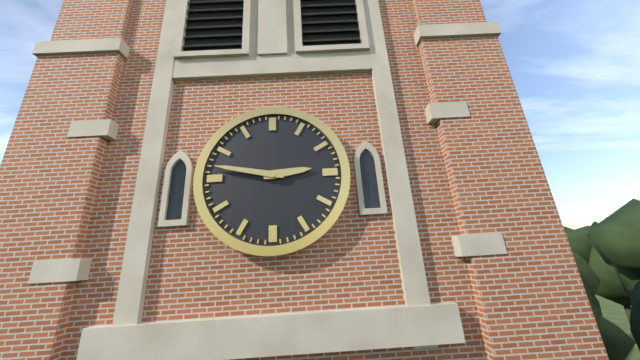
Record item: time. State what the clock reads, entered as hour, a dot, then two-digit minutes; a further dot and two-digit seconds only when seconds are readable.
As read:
2.47
